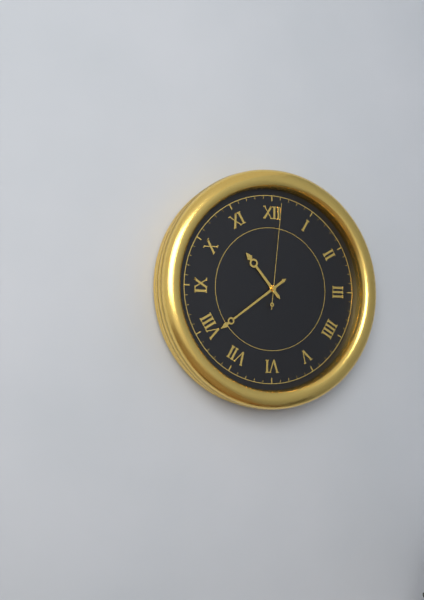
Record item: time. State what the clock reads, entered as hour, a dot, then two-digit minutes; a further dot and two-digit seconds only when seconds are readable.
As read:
10.39.01
